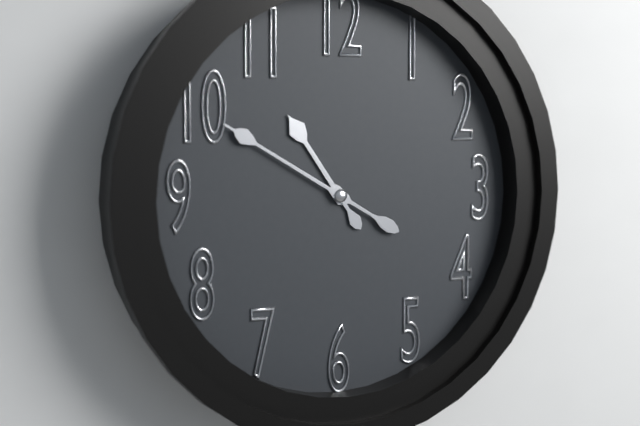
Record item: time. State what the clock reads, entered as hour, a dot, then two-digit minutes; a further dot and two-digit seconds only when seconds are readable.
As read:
10.50
